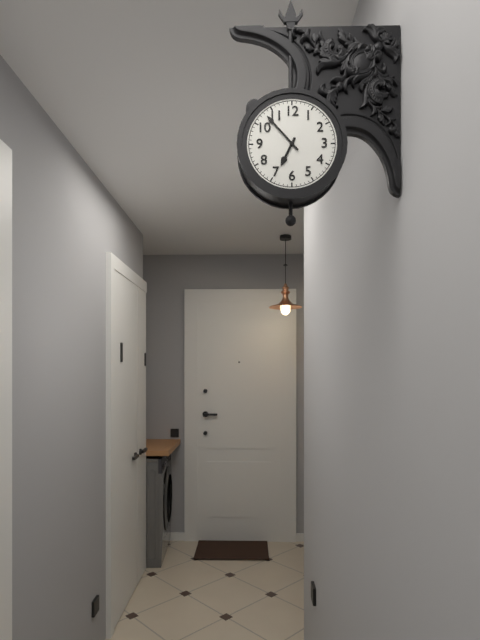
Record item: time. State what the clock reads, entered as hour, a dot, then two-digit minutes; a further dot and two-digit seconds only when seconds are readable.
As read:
6.53
